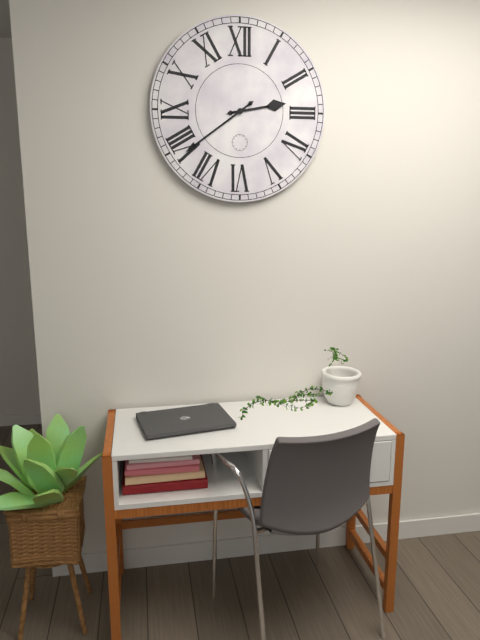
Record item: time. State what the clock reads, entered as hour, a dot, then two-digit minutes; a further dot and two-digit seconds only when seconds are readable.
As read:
2.39
